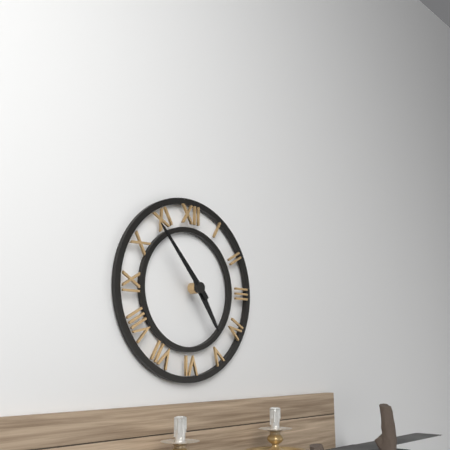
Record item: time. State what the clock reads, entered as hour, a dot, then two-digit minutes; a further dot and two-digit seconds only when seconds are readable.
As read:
4.53
